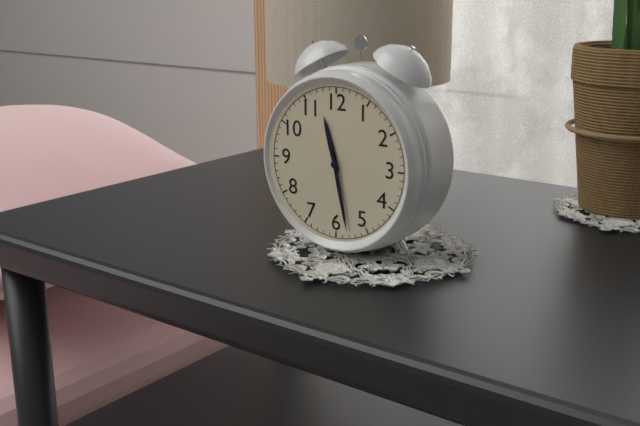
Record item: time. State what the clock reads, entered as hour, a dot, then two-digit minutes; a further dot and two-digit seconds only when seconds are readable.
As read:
11.28
